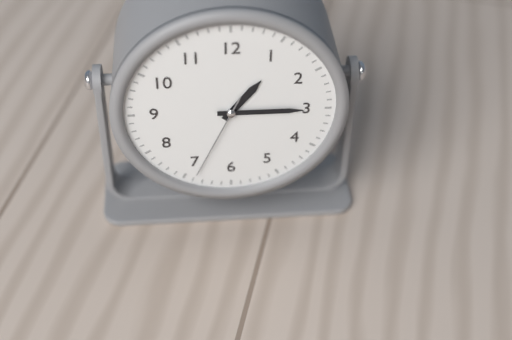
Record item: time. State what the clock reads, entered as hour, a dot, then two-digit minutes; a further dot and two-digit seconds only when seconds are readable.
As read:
1.15.34
